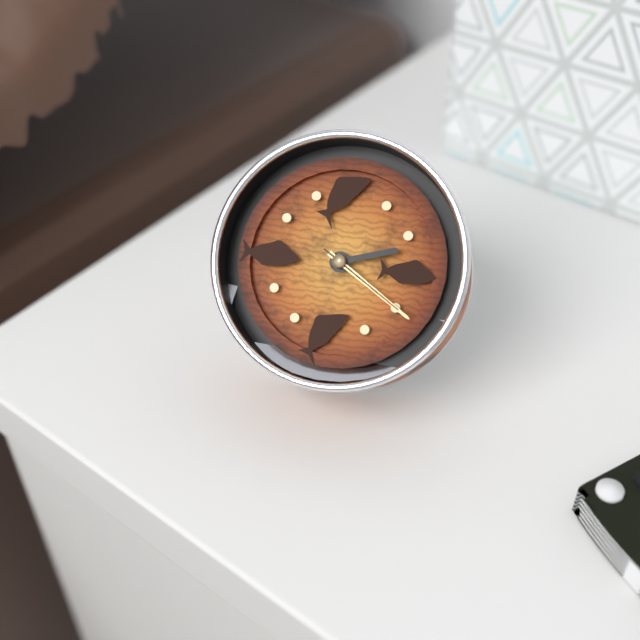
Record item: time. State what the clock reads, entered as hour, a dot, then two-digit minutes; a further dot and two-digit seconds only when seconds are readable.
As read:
2.20.20
